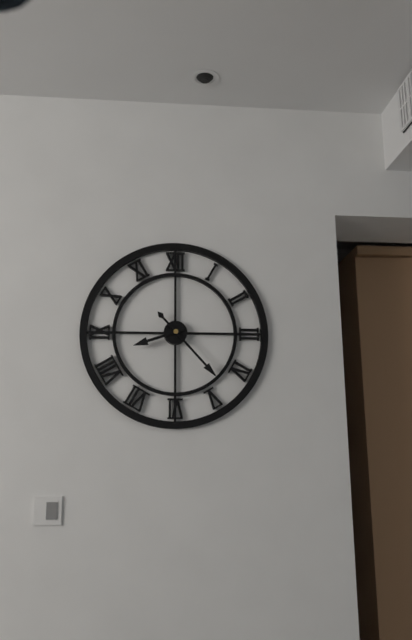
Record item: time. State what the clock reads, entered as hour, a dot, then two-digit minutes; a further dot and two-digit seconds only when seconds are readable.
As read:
8.23
